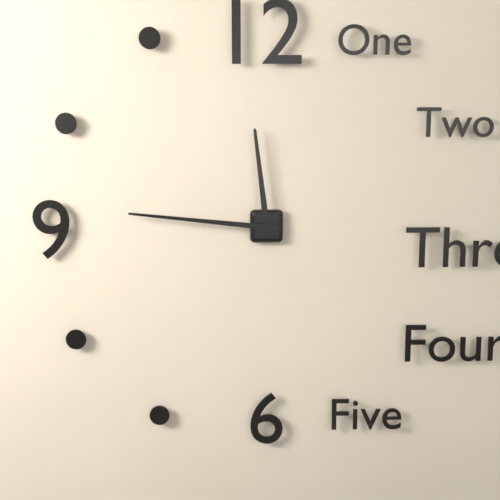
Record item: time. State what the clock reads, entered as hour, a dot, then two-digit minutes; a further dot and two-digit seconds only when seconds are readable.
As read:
11.46
